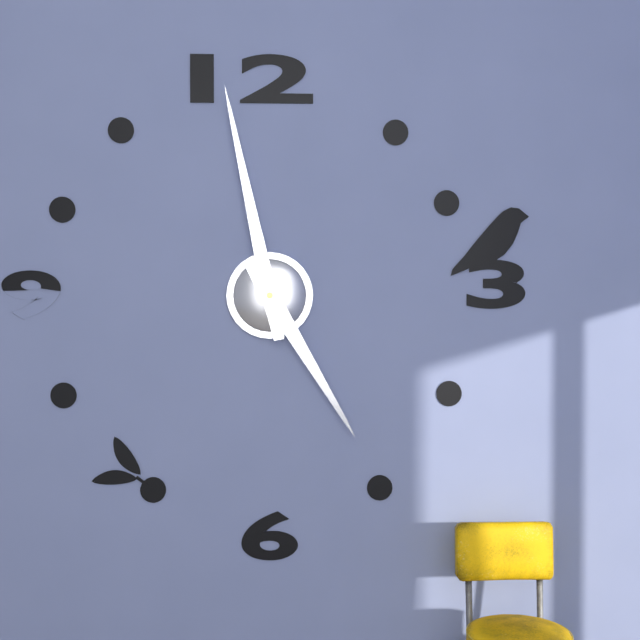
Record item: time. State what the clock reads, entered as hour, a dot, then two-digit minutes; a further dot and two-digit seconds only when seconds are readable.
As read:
4.58
